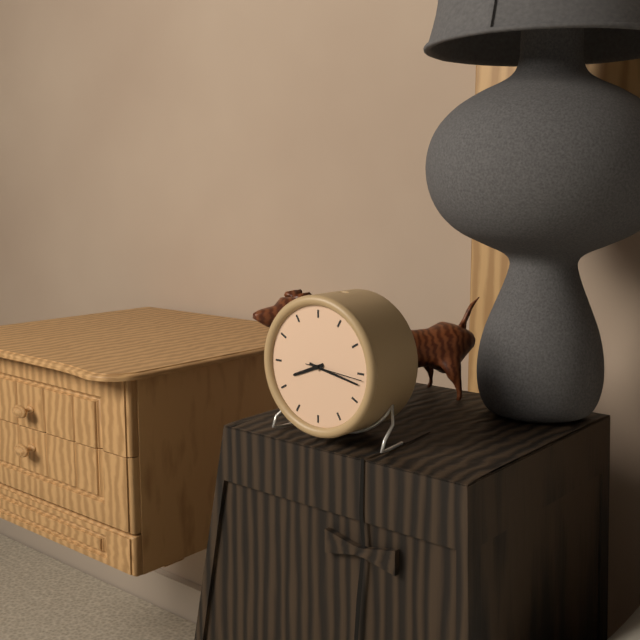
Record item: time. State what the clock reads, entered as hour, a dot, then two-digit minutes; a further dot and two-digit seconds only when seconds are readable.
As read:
8.17.16
